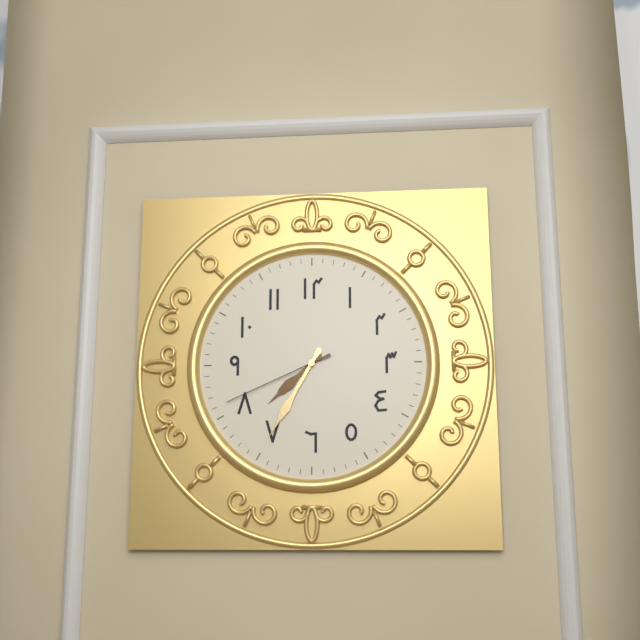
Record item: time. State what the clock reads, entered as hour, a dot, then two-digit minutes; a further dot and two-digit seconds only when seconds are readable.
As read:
7.35.41
